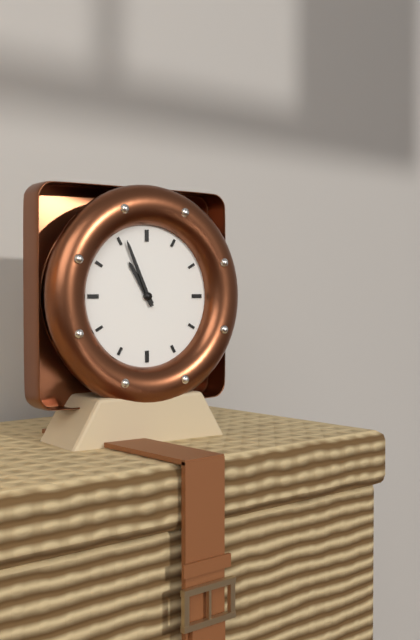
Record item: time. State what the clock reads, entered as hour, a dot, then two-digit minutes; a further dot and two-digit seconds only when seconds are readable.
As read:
10.56
